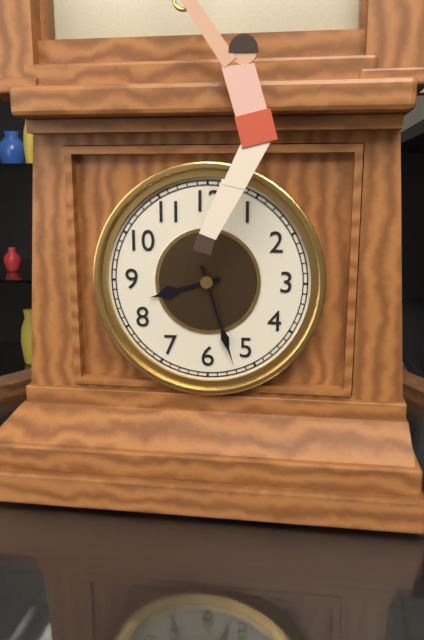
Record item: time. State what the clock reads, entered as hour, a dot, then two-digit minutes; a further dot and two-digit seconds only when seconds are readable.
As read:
8.27
